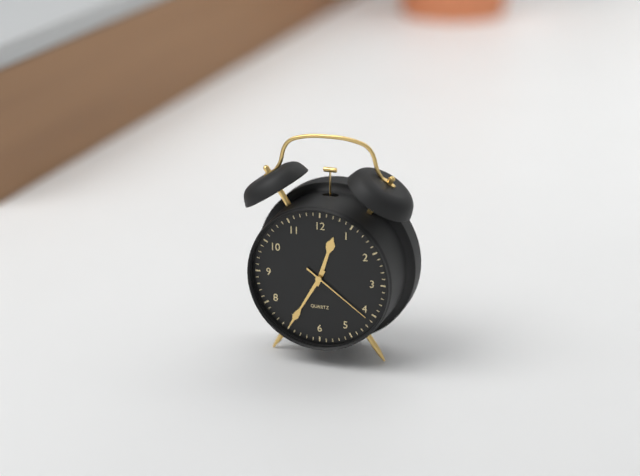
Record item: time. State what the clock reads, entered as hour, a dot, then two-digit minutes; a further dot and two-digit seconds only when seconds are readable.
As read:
12.35.21
